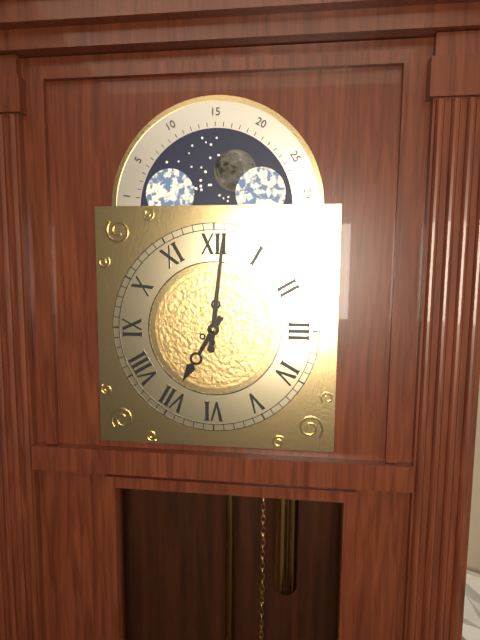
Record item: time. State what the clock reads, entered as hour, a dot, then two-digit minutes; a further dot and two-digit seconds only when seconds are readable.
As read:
7.01
